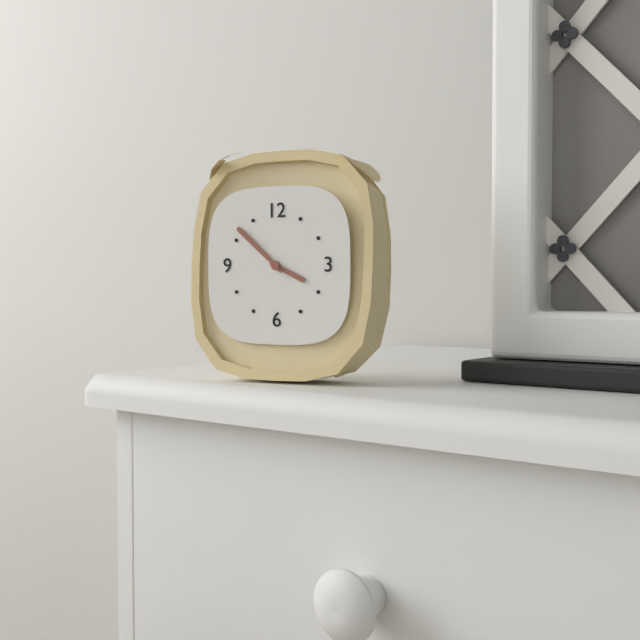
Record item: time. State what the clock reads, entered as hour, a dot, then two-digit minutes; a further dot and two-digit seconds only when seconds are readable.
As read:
3.52
